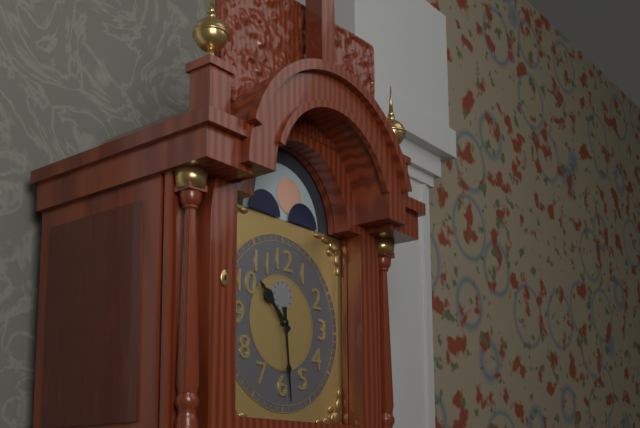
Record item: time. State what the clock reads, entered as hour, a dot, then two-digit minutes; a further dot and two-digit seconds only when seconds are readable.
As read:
10.29
